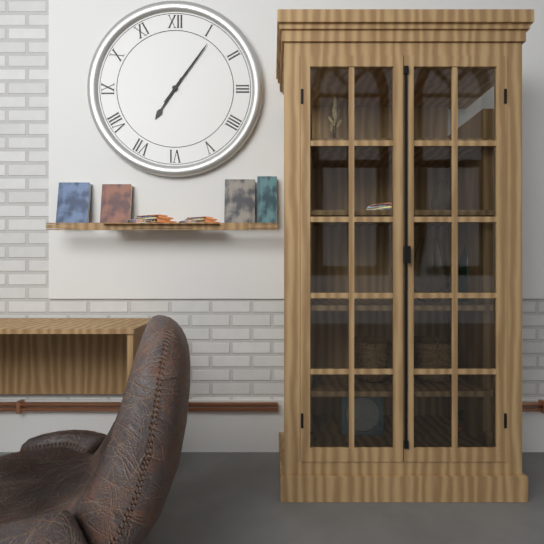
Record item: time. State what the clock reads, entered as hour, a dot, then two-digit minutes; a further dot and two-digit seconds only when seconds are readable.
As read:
7.06
